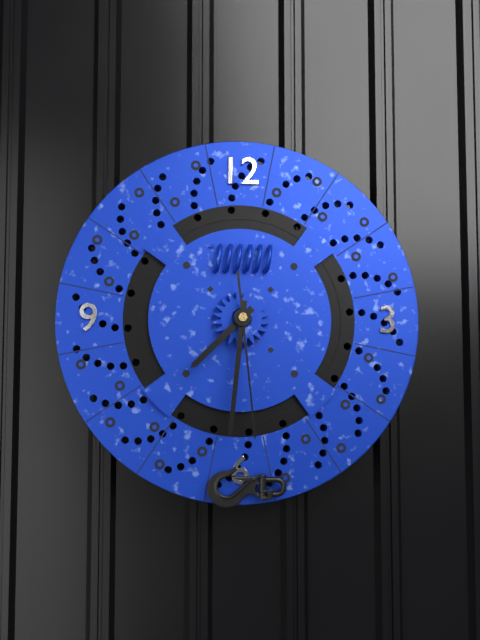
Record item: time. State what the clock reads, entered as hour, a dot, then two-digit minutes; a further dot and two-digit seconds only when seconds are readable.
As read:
7.31.29
